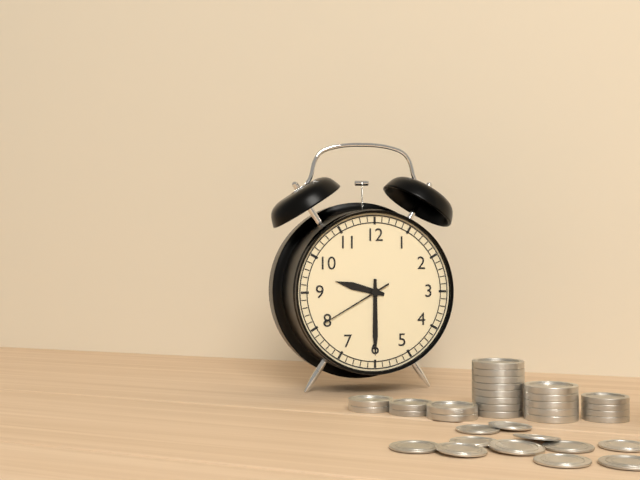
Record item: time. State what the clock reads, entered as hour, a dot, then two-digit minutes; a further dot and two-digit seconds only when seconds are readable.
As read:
9.30.40
